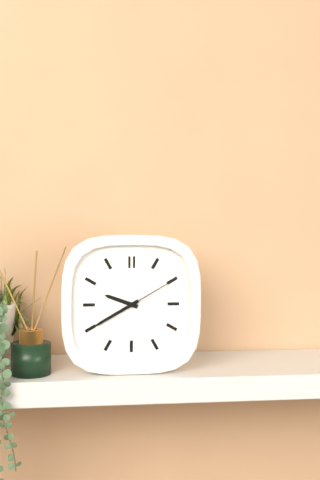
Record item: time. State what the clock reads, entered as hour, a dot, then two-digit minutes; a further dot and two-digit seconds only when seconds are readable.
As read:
9.40.10
